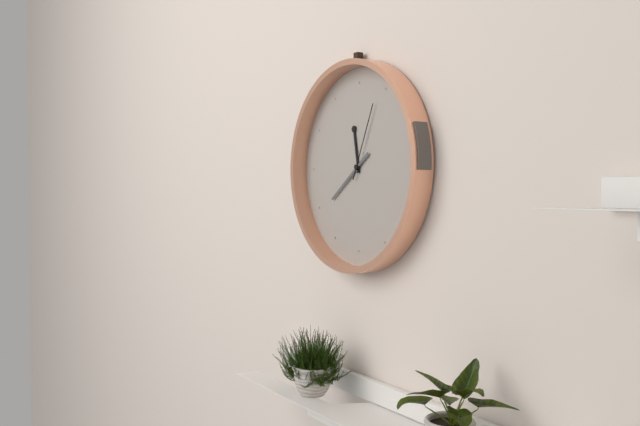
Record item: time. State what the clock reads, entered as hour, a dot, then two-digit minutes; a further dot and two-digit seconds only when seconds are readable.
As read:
11.39.04
